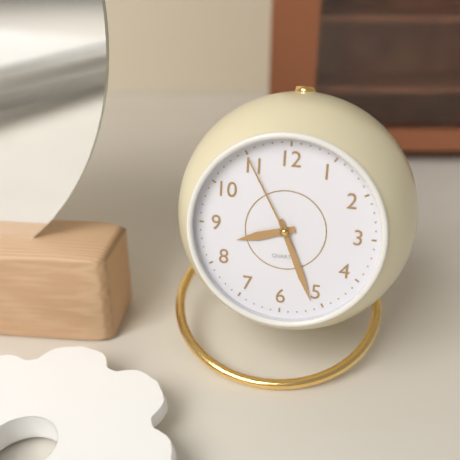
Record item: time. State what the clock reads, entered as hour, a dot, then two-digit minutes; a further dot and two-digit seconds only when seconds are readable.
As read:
8.26.55
